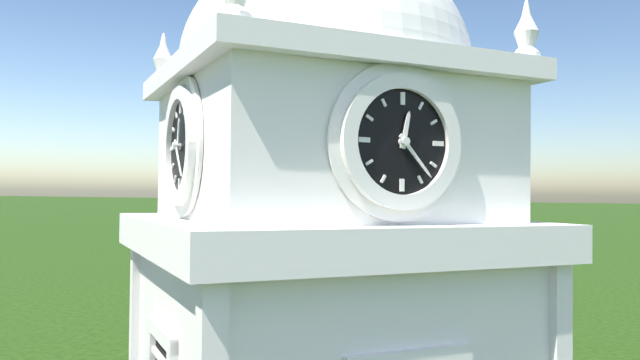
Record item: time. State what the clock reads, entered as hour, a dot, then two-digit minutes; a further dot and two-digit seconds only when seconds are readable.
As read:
12.23
